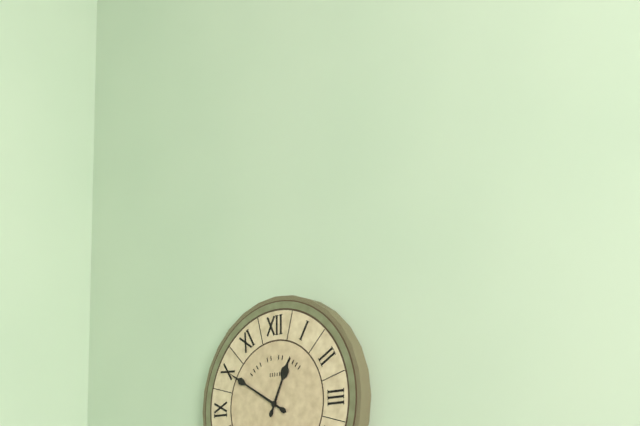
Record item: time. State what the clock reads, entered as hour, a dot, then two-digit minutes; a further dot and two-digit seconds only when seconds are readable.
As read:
12.50
